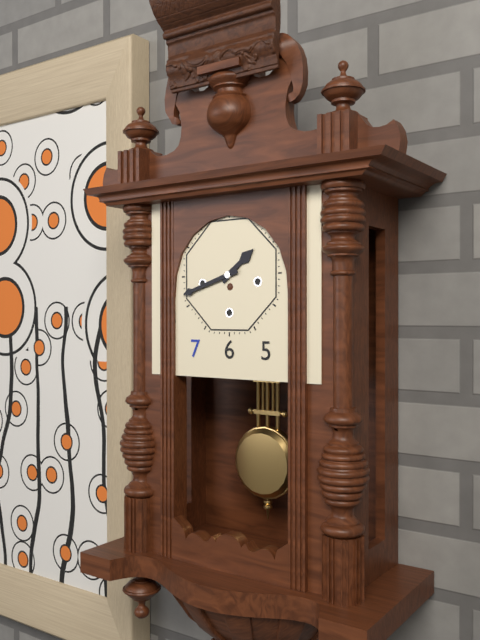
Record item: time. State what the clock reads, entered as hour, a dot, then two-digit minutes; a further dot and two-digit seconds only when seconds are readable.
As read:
1.42
